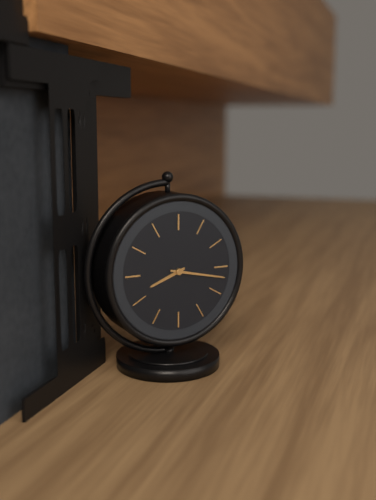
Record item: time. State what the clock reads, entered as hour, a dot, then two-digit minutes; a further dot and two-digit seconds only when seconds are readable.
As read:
8.17
